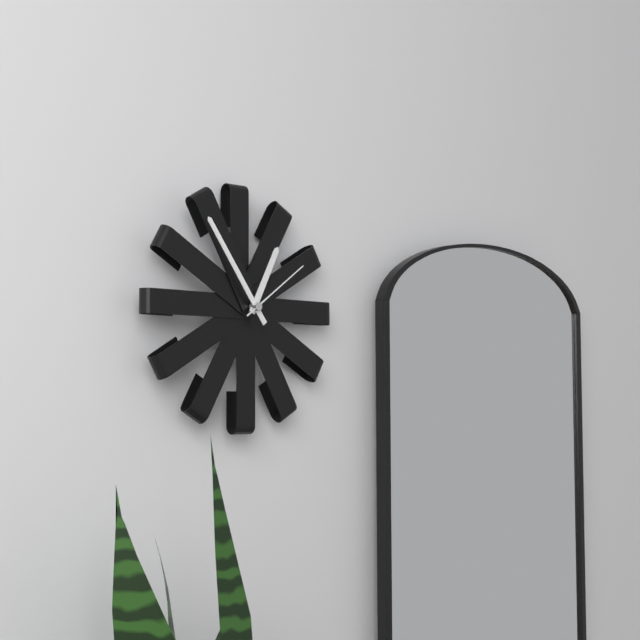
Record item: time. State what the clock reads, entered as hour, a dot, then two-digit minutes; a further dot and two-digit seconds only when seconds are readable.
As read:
12.54.09
